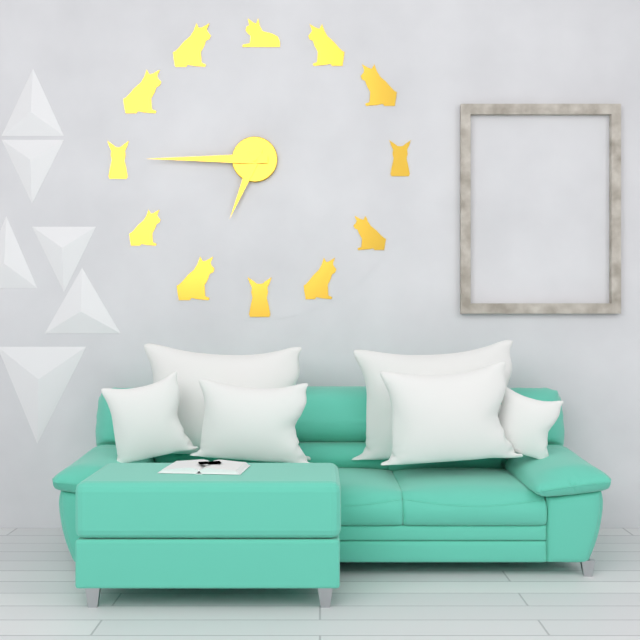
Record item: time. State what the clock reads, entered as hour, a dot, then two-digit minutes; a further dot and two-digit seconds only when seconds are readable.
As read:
6.45
